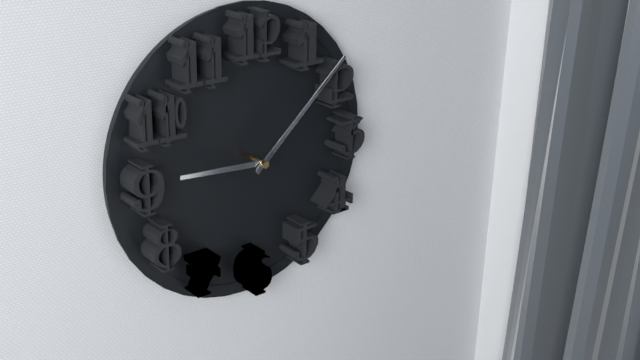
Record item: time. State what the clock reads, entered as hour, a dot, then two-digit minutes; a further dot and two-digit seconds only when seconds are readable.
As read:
9.08
